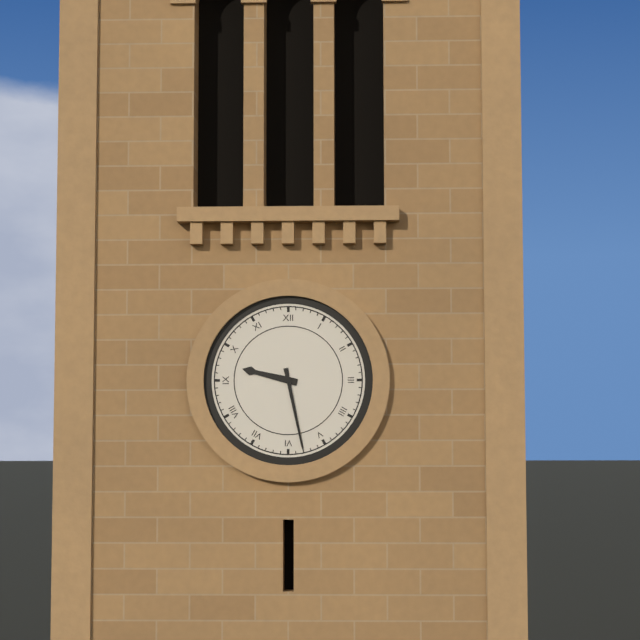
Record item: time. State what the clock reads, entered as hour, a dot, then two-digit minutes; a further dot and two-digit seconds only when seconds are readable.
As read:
9.28
